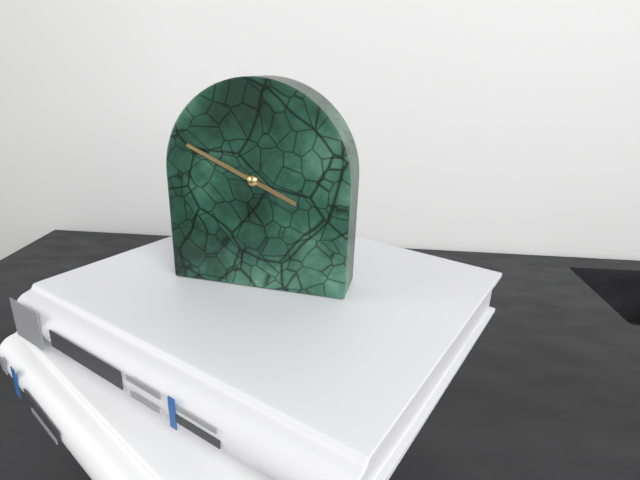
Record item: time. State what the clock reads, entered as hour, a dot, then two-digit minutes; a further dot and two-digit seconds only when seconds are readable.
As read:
3.49
